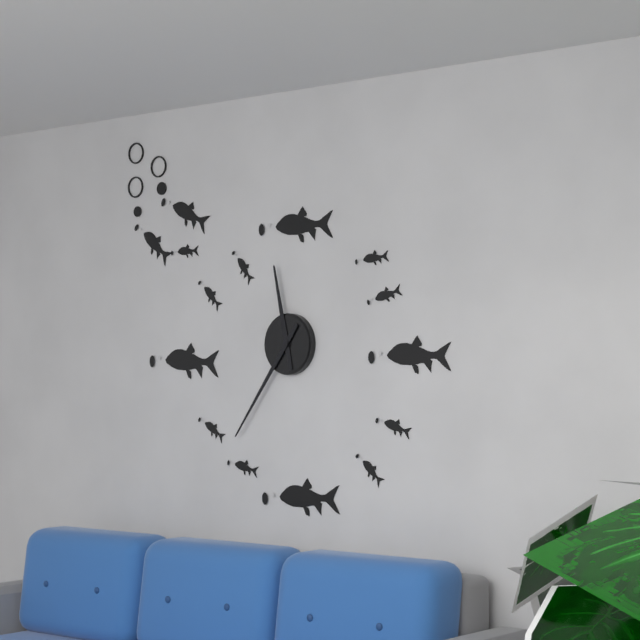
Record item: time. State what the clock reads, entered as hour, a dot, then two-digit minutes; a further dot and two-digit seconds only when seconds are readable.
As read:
11.36
